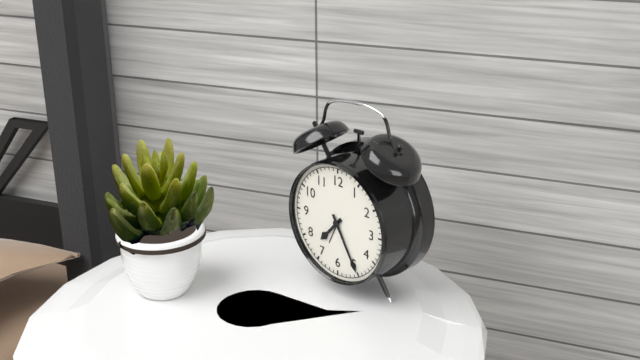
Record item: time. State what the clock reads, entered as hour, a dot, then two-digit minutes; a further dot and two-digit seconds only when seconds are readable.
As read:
7.25
